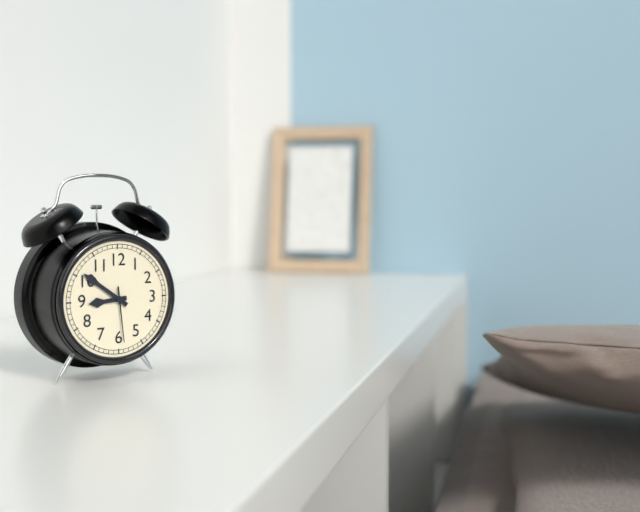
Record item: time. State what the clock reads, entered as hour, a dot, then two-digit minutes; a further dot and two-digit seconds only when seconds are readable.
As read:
8.51.29
